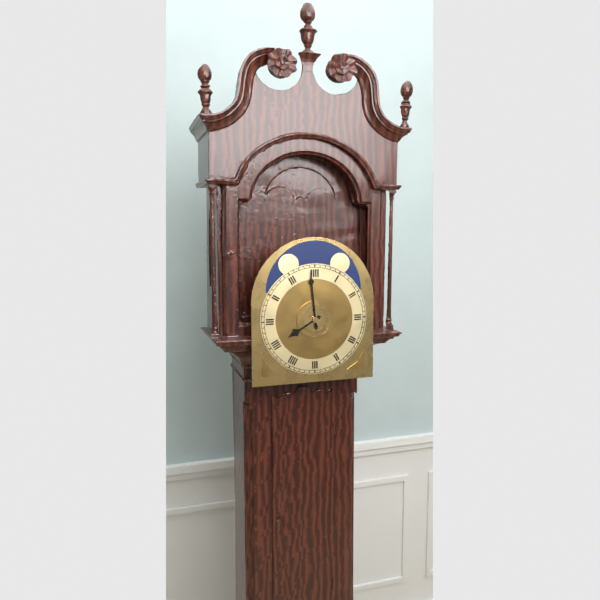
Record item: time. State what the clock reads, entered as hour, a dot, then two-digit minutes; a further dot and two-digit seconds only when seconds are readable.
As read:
7.59
